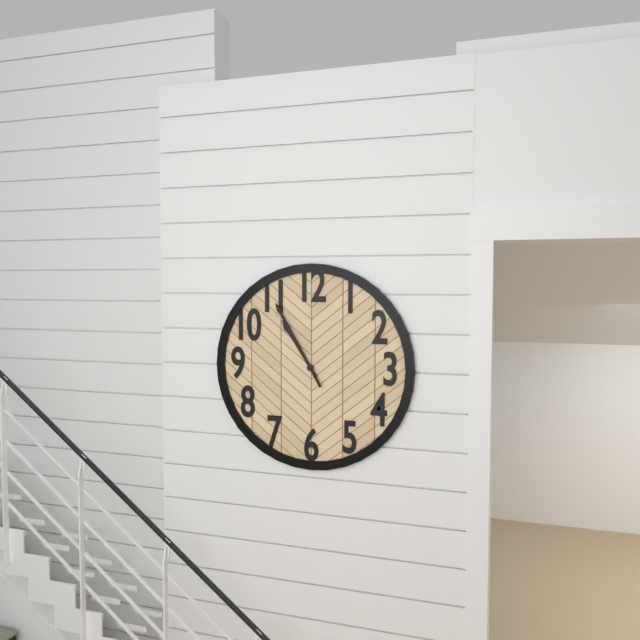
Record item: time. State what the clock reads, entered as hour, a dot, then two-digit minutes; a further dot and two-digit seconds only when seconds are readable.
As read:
10.55
